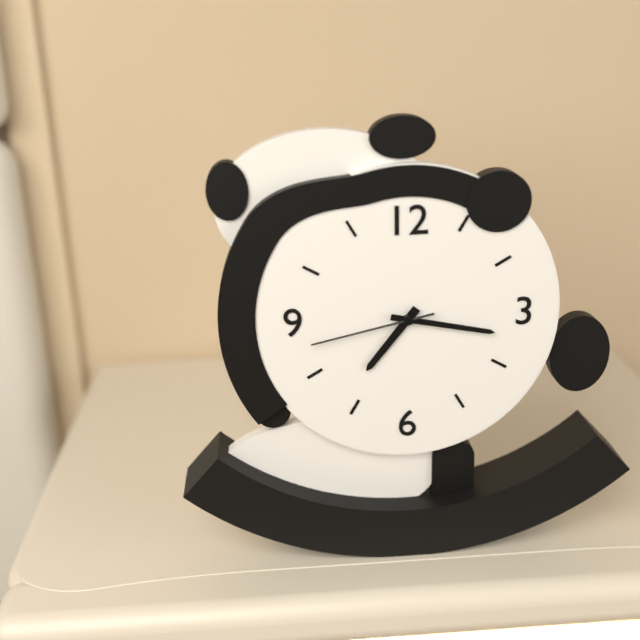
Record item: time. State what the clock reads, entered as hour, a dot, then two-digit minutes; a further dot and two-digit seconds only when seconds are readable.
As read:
7.17.43
